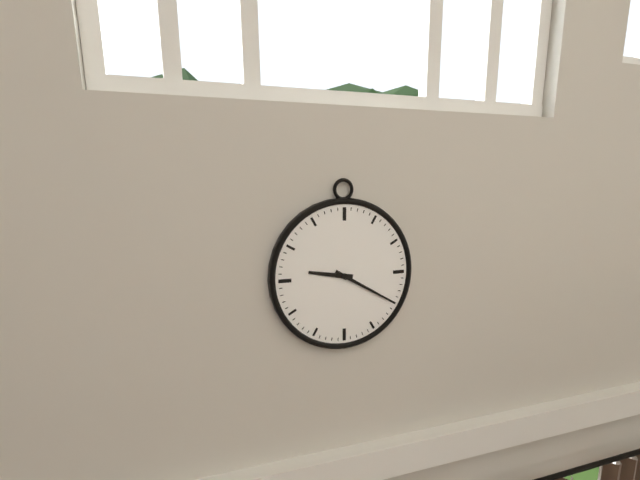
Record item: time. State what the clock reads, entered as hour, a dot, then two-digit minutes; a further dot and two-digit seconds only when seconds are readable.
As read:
9.20
